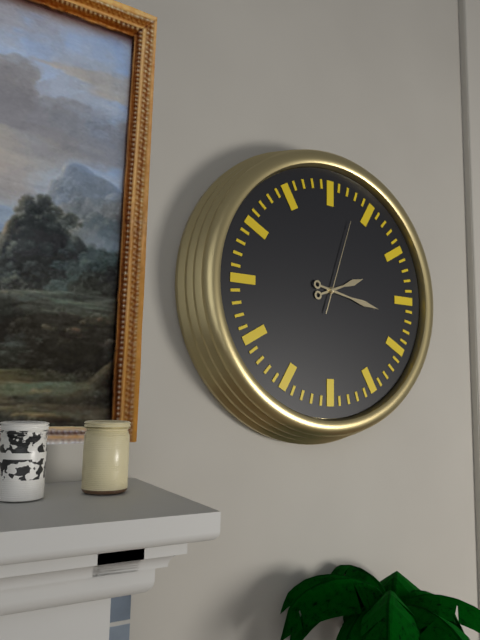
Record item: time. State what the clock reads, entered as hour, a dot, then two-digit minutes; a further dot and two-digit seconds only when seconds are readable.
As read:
2.17.03
